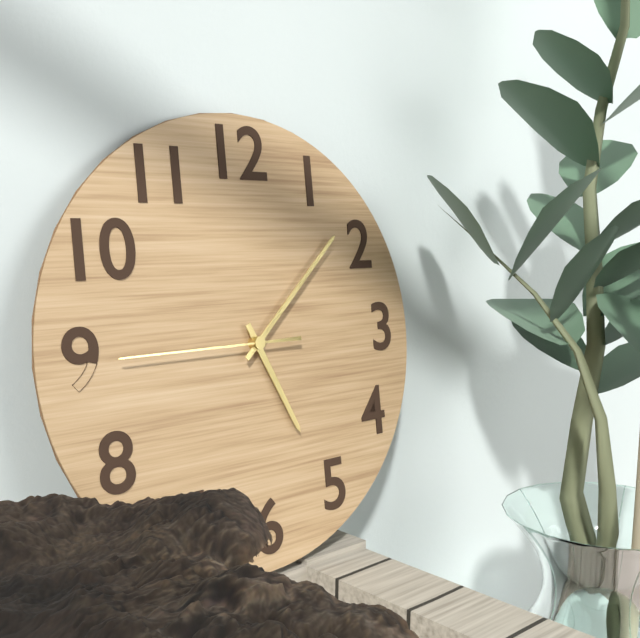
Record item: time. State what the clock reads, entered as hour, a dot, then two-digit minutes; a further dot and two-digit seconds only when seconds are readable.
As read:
5.08.45
